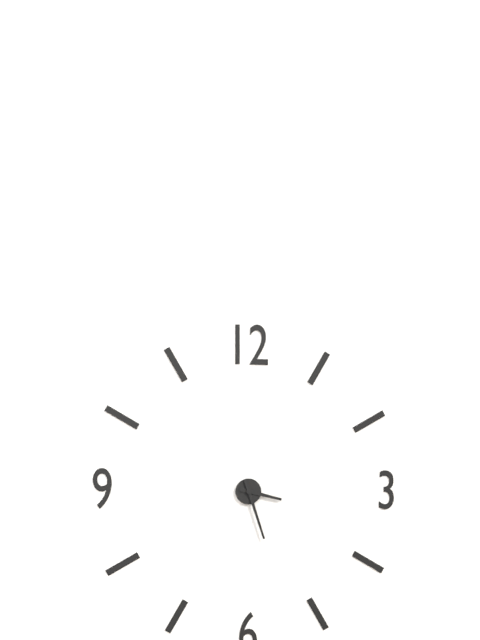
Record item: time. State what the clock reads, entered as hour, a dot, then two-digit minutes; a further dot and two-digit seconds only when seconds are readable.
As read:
3.27
